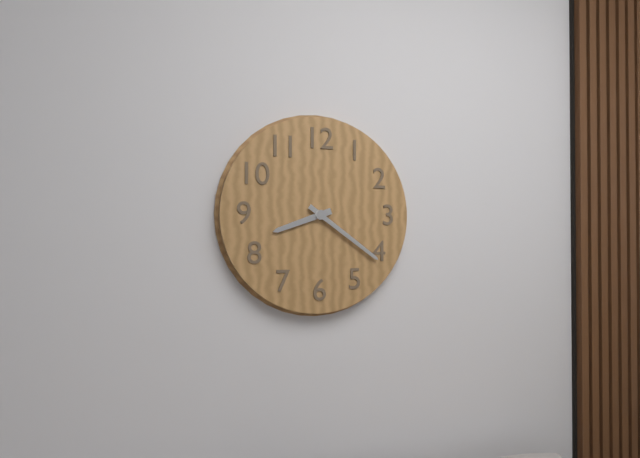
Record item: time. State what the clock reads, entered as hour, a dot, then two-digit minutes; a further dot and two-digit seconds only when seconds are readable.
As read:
8.21
